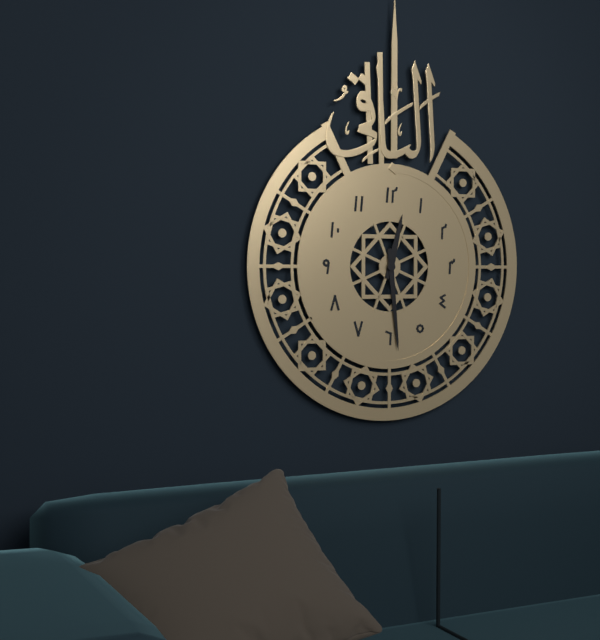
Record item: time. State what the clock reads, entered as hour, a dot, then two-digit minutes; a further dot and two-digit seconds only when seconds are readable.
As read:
12.29
